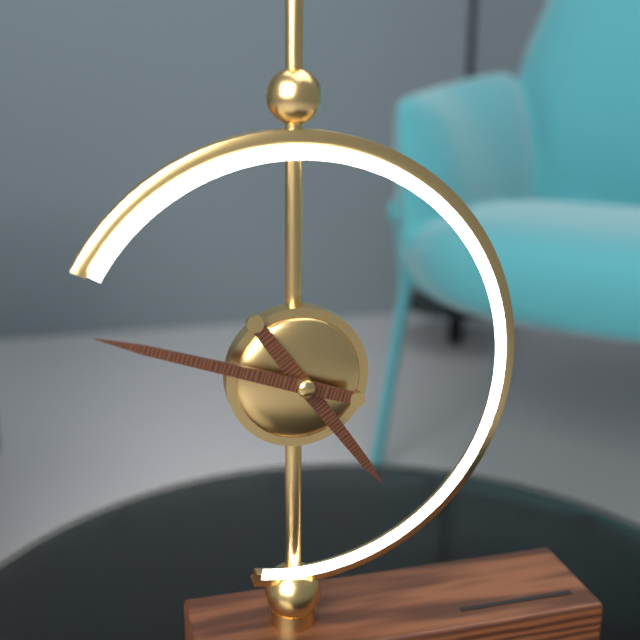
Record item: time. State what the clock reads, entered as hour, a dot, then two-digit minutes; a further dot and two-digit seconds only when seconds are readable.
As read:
4.48
